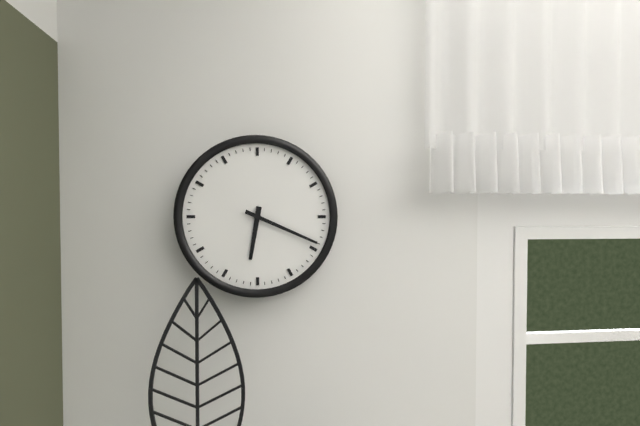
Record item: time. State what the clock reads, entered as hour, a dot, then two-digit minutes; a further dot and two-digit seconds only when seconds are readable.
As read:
6.19
